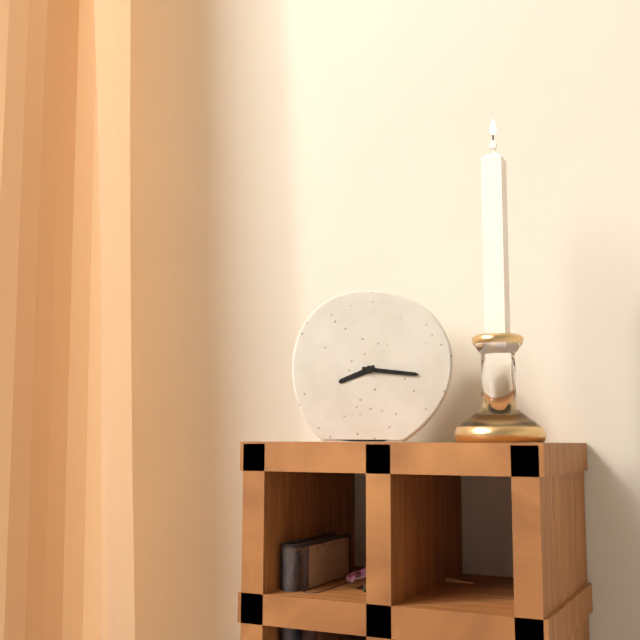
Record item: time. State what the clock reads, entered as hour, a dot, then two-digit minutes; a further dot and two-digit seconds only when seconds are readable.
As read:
8.16
